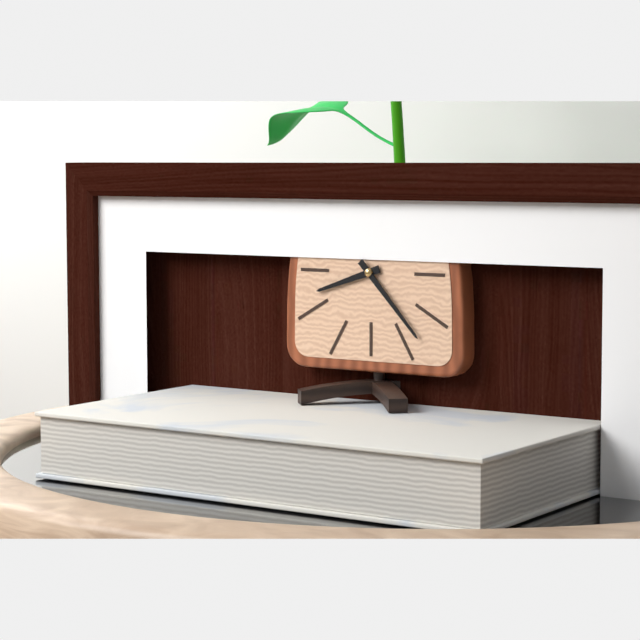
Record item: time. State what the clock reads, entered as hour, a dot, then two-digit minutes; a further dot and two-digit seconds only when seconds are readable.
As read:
8.23
